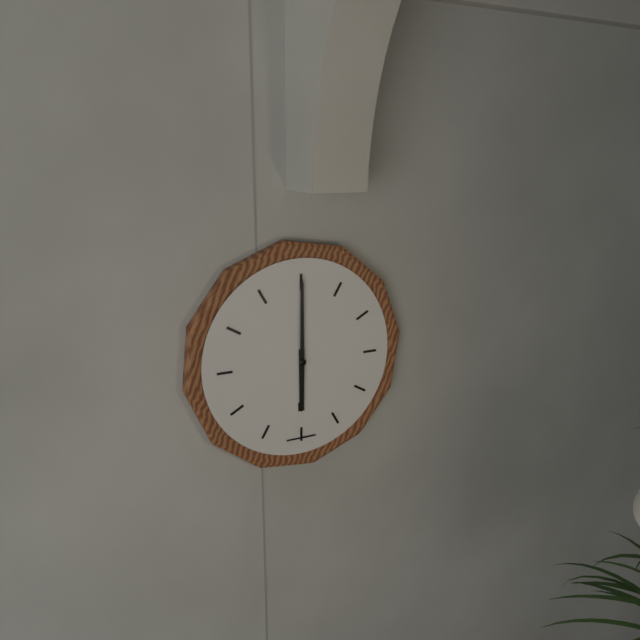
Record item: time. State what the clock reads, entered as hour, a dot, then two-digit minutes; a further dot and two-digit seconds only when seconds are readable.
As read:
6.00
